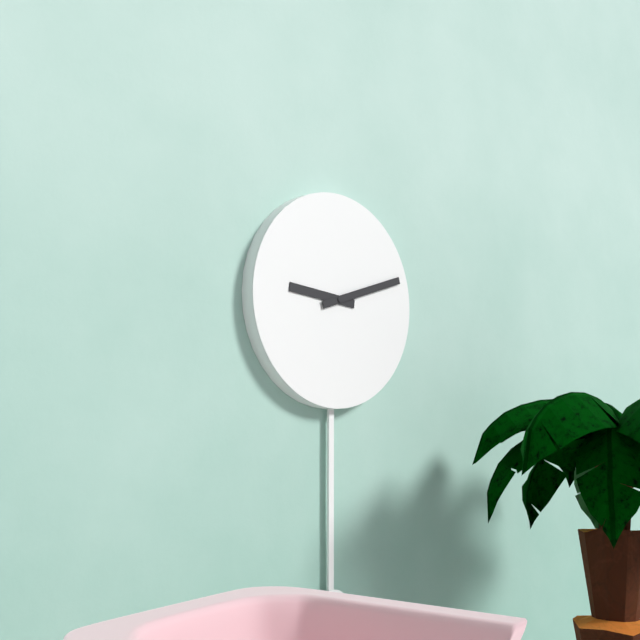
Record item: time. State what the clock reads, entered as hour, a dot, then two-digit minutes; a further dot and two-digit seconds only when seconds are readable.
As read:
9.12
